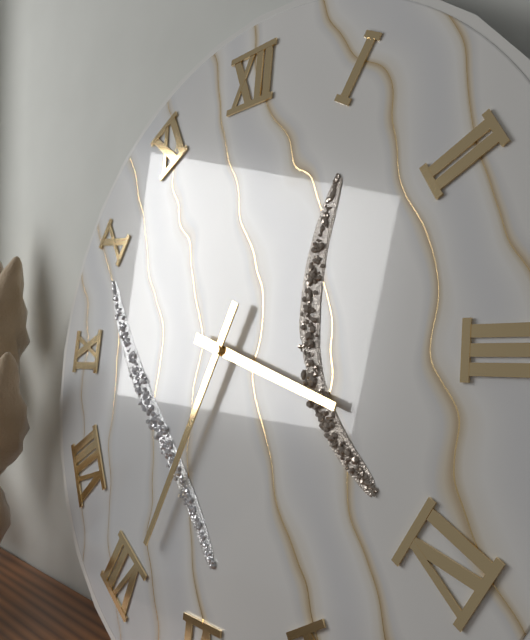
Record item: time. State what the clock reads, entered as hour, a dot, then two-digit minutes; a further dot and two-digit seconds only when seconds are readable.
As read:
3.34
